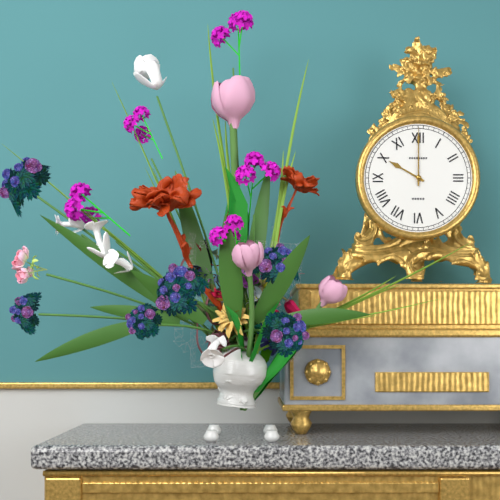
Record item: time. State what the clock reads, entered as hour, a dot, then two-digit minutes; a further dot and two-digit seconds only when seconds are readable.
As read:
10.00
